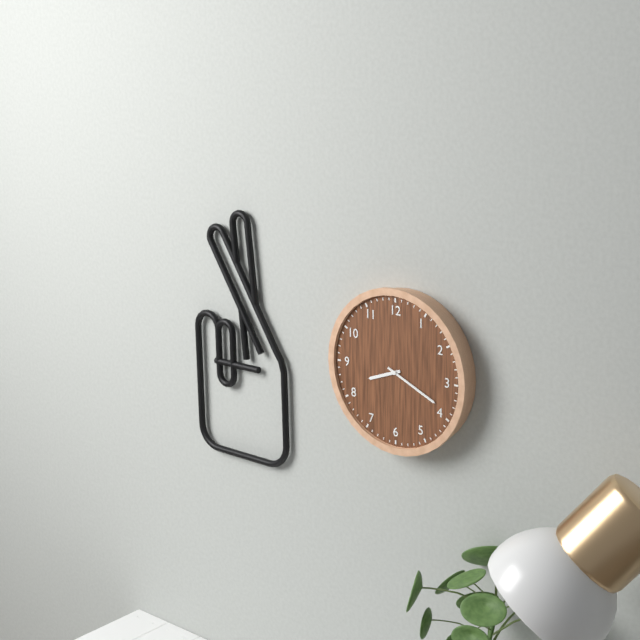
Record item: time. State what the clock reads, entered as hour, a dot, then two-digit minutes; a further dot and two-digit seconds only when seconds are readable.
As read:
8.19
